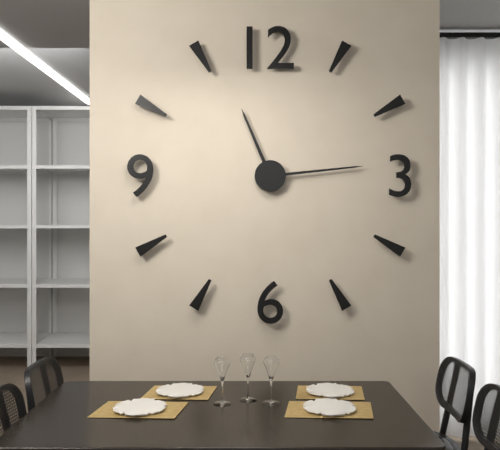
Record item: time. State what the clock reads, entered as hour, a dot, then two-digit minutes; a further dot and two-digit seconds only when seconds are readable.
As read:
11.14
